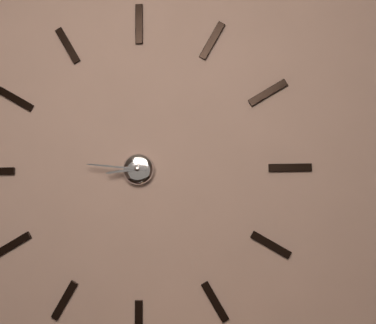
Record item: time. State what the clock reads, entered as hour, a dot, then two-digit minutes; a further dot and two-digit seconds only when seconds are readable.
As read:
8.46
